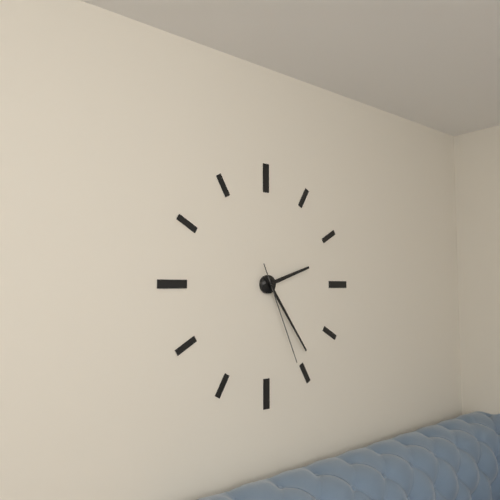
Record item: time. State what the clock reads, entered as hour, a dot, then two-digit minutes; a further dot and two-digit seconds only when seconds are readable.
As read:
2.24.26
